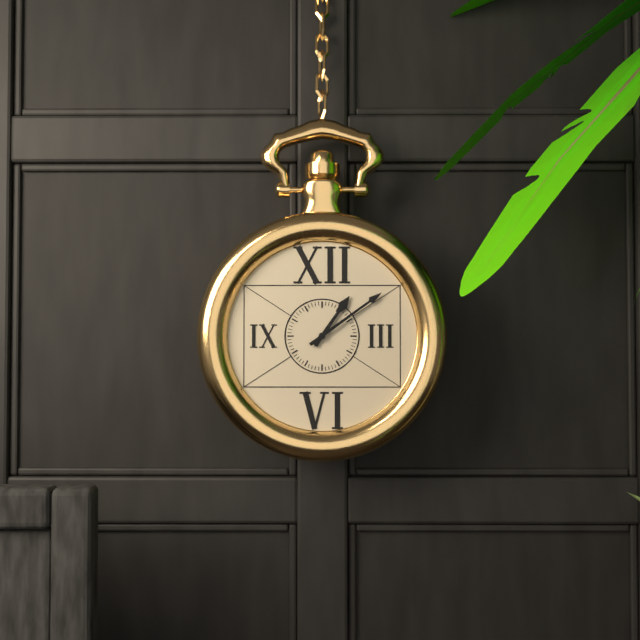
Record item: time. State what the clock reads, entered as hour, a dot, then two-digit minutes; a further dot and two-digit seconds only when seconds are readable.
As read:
1.09
